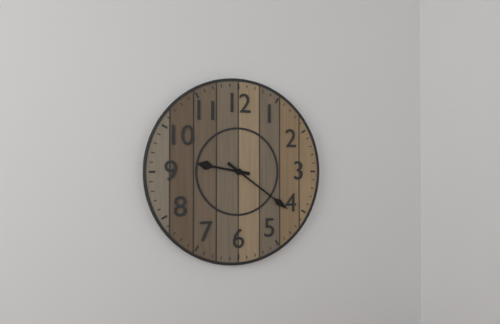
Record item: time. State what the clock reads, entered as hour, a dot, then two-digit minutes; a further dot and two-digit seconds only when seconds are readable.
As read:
9.21
